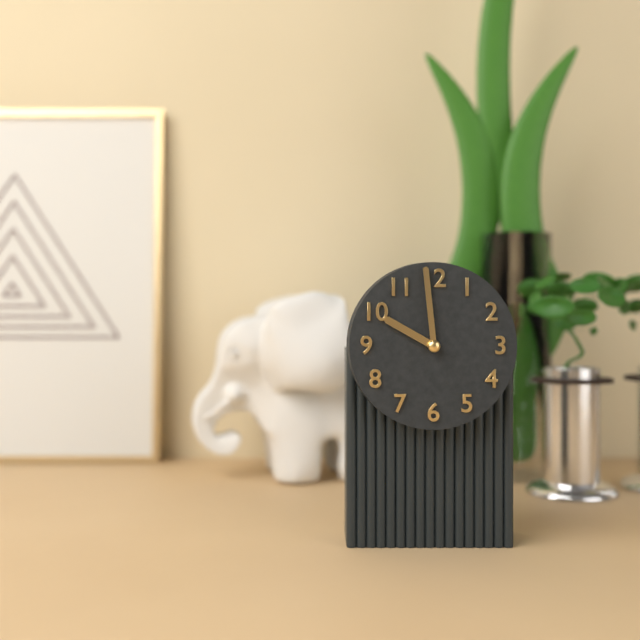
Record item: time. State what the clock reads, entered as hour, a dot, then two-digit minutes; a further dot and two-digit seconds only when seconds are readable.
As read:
9.59
